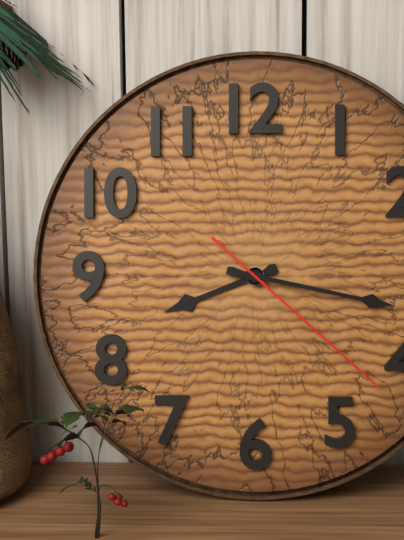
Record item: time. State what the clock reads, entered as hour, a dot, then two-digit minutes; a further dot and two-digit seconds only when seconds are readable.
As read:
8.17.22
